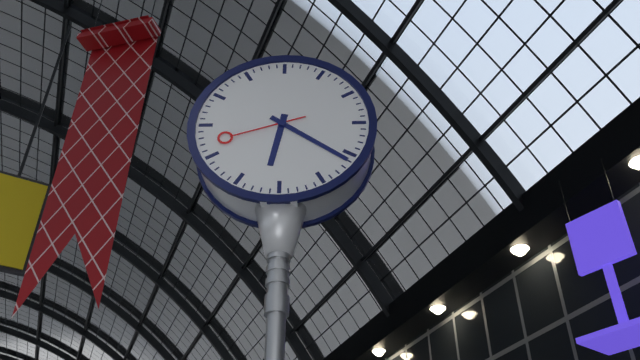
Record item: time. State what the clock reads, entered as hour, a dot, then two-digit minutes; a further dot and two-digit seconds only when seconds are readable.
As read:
6.21.42
